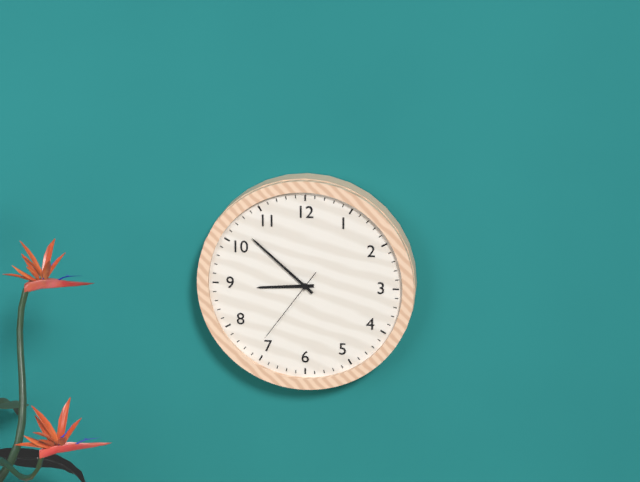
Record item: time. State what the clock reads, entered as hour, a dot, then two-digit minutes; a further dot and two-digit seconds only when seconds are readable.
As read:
8.52.36
